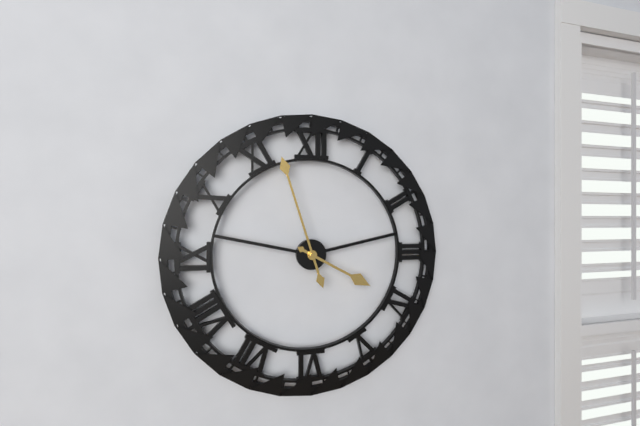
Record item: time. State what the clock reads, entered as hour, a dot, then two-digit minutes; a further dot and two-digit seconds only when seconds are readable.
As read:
3.57
